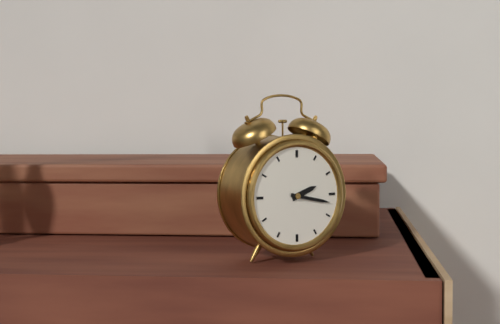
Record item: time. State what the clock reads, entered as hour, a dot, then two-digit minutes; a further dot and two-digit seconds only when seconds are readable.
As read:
2.17
